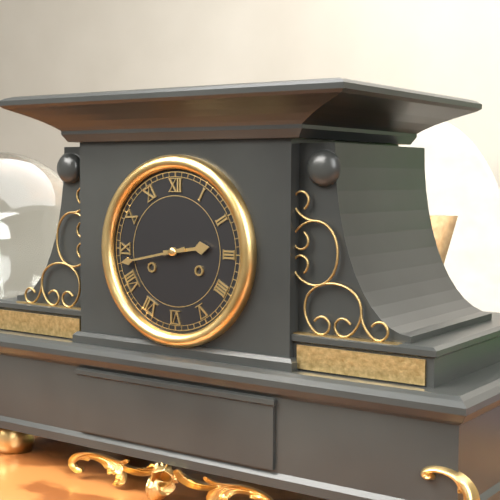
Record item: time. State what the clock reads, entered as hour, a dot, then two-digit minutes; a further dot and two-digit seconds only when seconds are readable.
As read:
2.43
